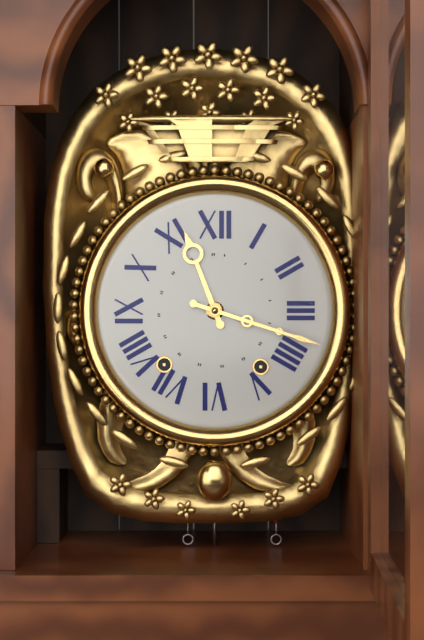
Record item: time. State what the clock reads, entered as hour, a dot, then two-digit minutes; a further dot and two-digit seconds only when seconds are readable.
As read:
11.18
